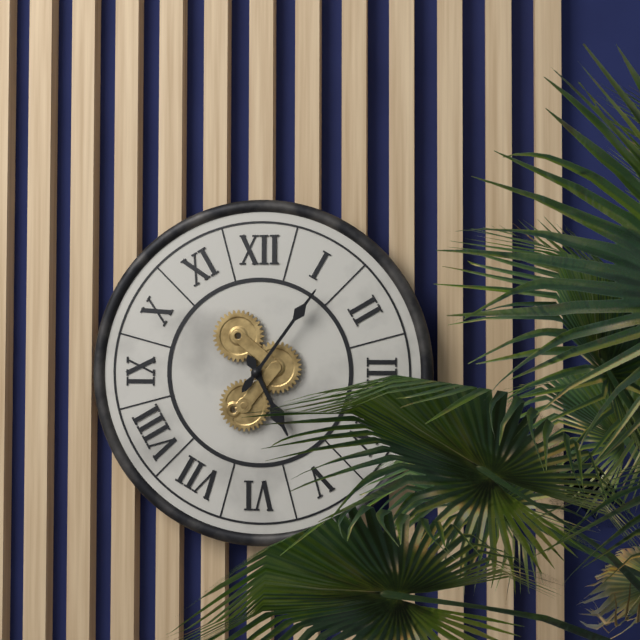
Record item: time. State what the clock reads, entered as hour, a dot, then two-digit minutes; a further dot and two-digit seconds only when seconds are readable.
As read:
5.06
